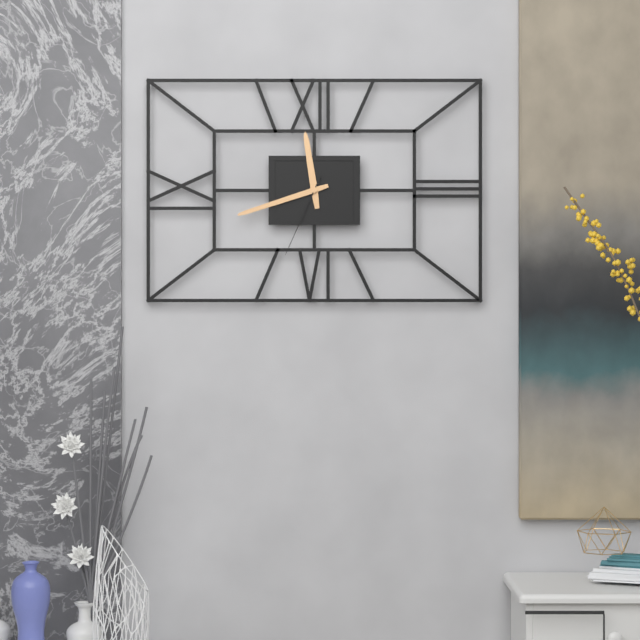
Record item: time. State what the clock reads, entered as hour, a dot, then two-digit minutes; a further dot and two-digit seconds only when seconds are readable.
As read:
11.42.34
